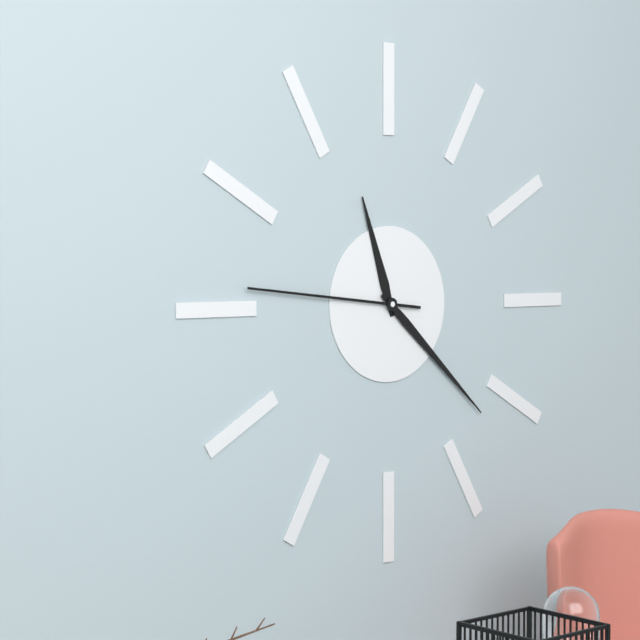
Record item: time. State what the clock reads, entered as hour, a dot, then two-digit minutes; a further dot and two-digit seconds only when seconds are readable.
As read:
11.22.46
